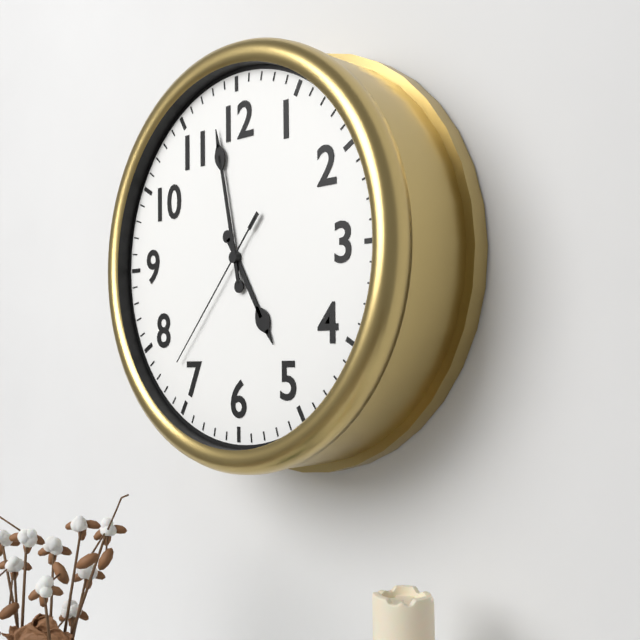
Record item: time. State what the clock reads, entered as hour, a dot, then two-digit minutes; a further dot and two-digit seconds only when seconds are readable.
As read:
4.58.37
